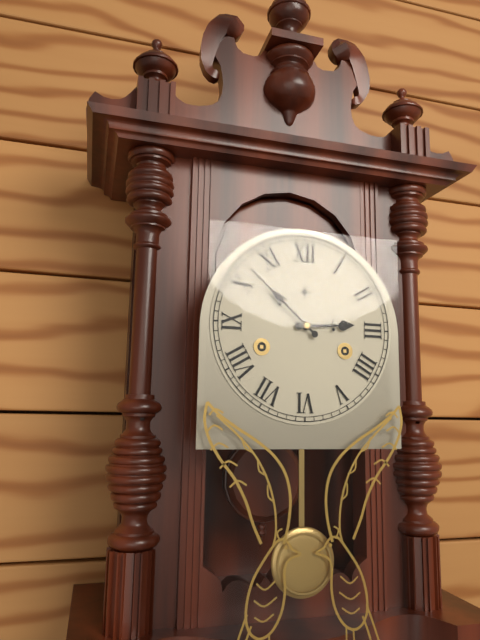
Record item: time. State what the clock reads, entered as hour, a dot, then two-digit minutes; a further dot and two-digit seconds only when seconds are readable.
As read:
2.52
